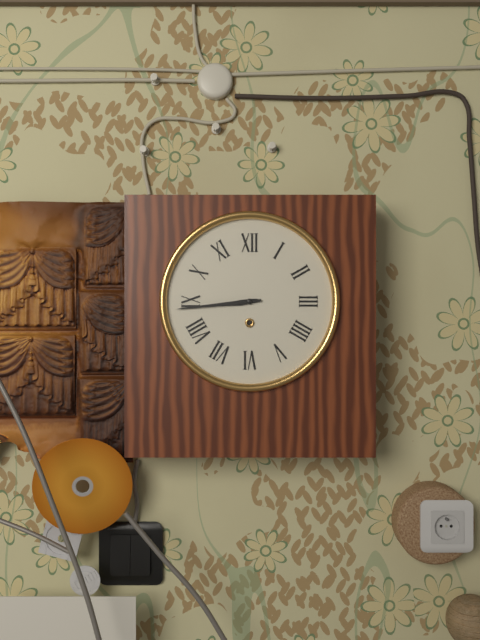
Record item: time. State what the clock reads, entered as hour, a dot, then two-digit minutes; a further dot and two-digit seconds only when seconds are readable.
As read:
8.44
